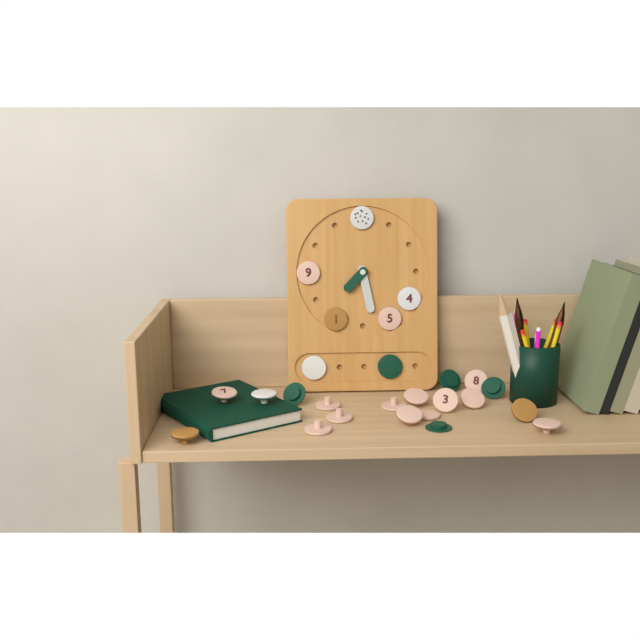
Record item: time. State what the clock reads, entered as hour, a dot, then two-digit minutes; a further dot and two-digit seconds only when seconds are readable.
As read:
7.28
